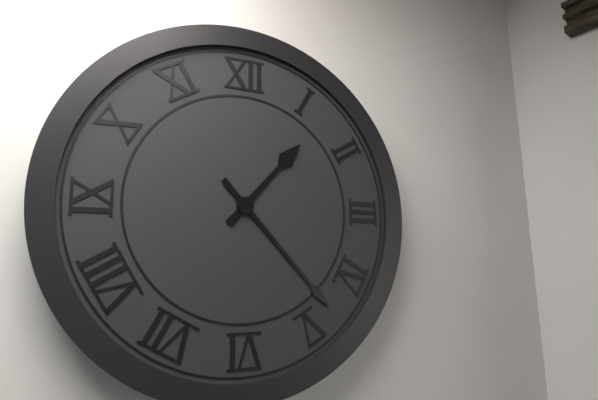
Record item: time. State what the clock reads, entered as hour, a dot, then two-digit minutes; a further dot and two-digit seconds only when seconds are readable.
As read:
1.23
